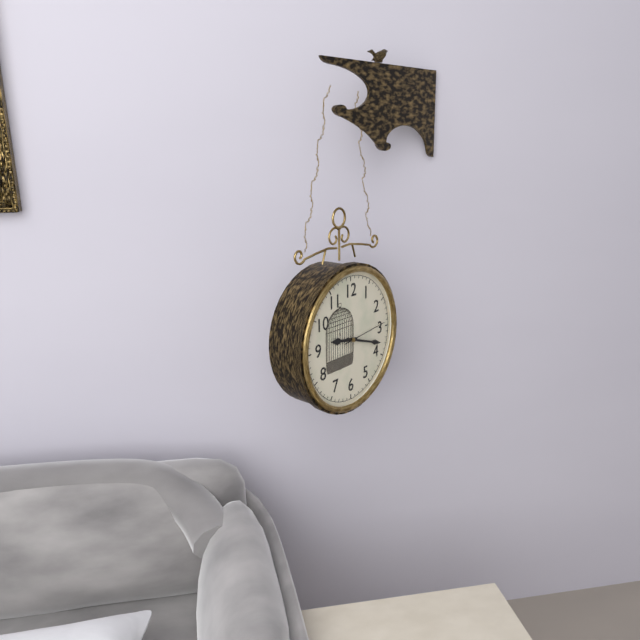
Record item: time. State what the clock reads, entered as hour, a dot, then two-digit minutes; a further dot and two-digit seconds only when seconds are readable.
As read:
9.18
